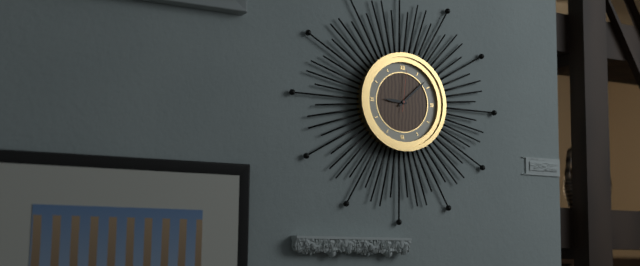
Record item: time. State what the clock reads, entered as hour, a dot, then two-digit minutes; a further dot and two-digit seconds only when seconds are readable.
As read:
9.08
